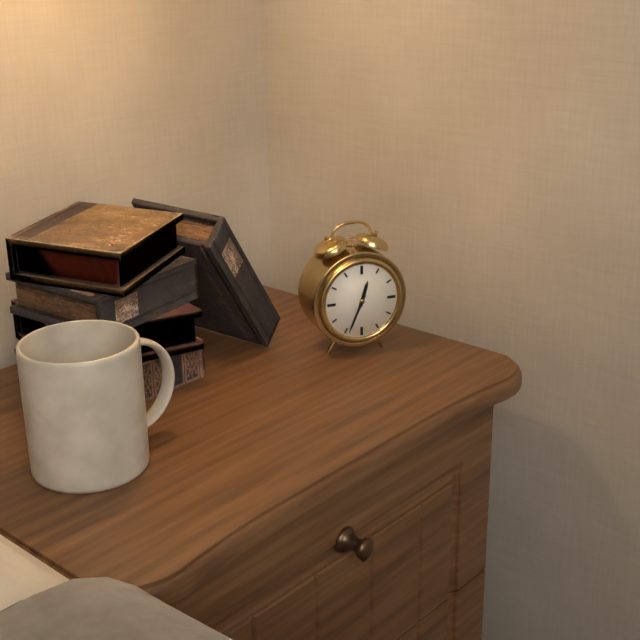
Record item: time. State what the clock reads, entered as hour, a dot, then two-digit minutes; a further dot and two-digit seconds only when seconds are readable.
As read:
12.34
